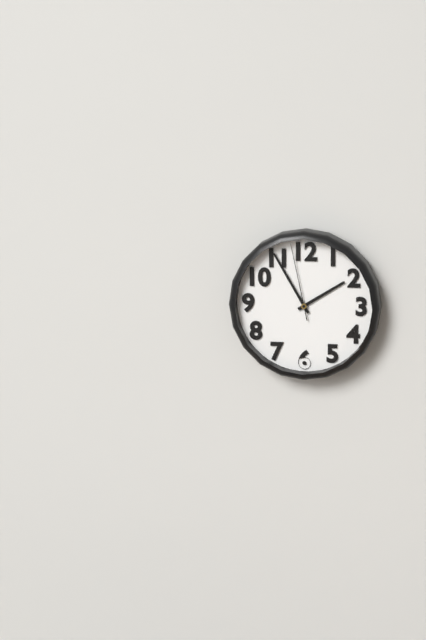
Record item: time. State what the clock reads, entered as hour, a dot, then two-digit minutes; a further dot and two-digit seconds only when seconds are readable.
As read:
1.55.58
